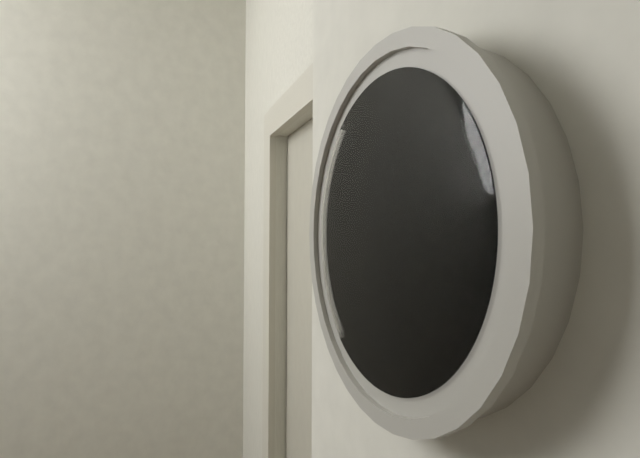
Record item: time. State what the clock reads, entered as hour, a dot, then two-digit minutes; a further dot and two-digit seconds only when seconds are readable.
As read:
12.39.06
